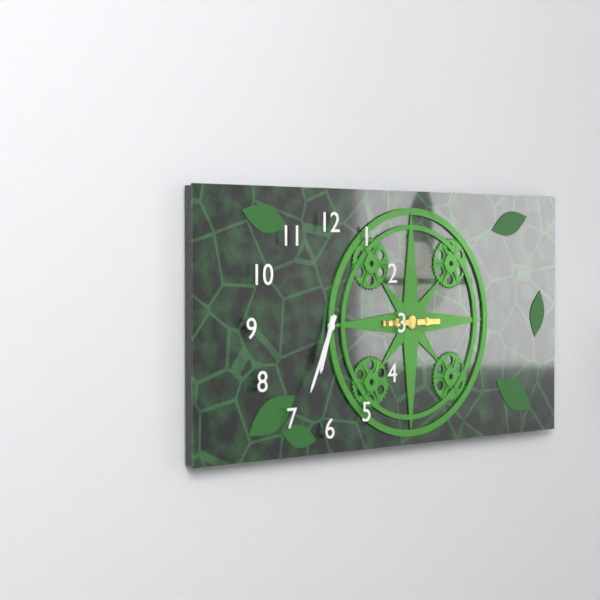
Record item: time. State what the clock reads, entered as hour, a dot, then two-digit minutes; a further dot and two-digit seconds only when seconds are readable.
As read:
6.34
